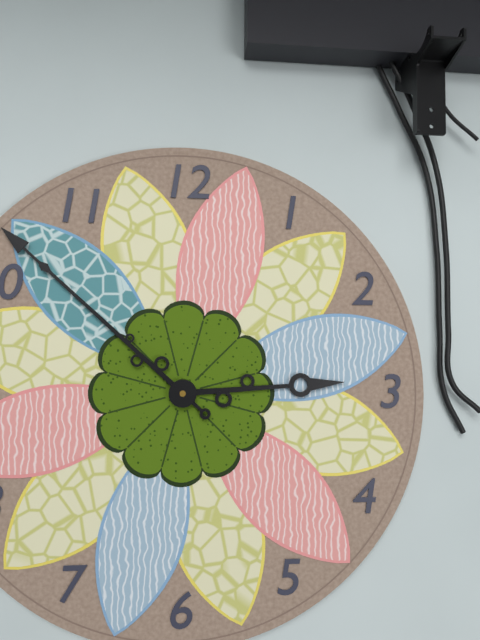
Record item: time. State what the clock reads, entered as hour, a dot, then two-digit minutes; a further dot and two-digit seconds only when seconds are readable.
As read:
2.52
